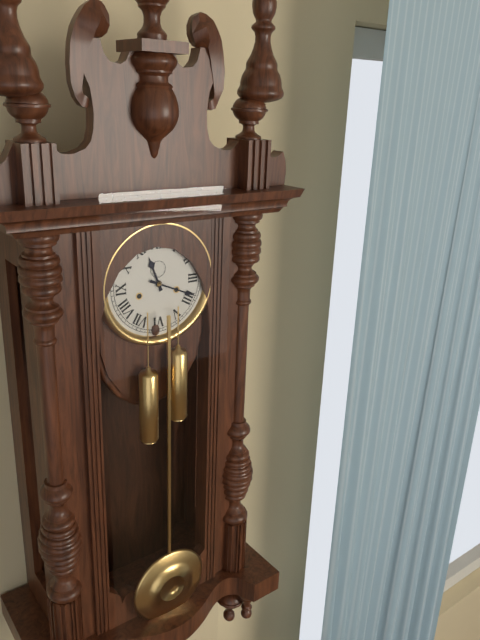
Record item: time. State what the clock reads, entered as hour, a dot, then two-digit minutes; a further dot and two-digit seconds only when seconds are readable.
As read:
11.19
